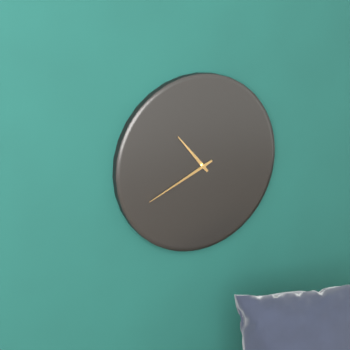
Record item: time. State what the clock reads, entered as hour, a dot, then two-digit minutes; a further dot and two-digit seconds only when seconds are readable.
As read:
10.41
